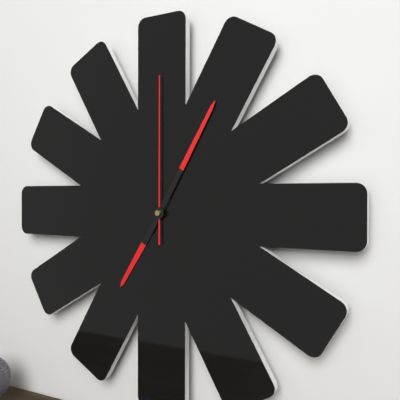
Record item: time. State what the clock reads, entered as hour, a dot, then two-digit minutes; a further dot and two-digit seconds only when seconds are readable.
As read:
7.05.00
